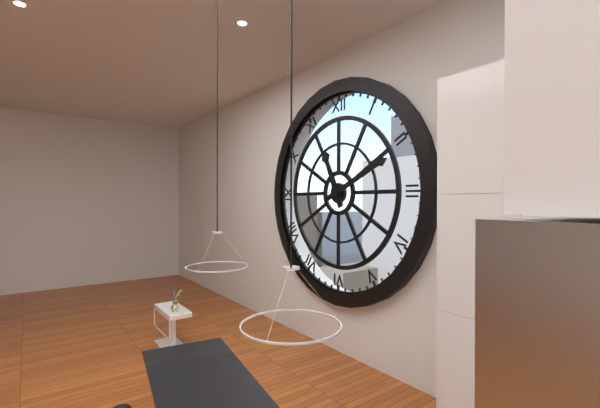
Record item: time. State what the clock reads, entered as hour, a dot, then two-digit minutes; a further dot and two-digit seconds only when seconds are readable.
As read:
11.11
